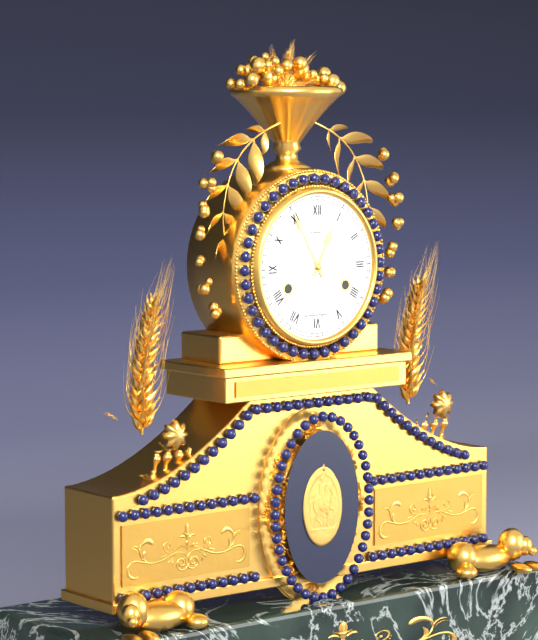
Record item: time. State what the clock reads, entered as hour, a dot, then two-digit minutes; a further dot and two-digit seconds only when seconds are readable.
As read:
12.55
